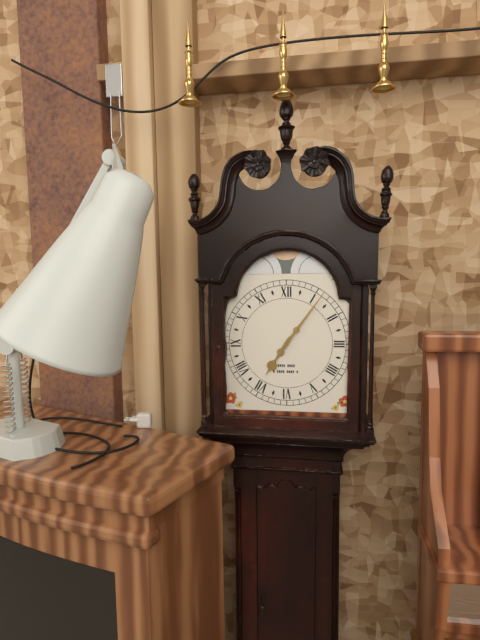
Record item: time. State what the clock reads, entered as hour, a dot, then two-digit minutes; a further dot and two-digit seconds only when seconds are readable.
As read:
7.06
